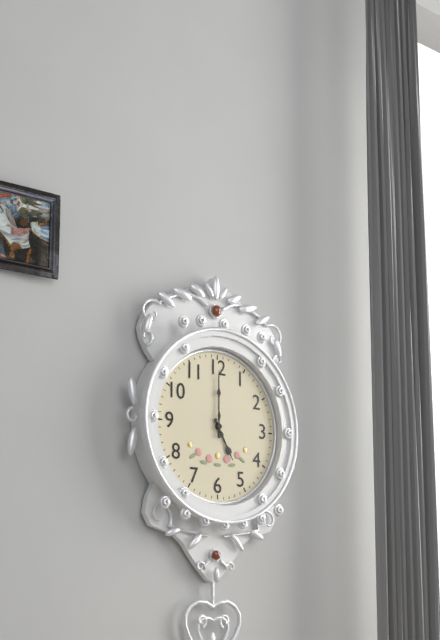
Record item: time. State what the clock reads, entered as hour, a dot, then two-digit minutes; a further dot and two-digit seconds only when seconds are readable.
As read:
5.00
